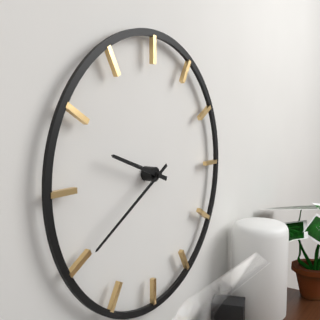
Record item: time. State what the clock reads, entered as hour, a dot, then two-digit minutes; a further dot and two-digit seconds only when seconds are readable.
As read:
9.40
